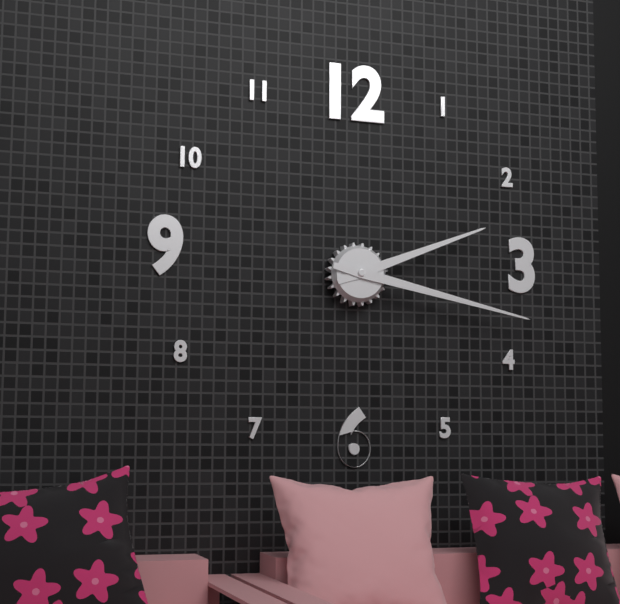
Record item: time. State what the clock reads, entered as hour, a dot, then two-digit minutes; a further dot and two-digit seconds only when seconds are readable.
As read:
2.17
